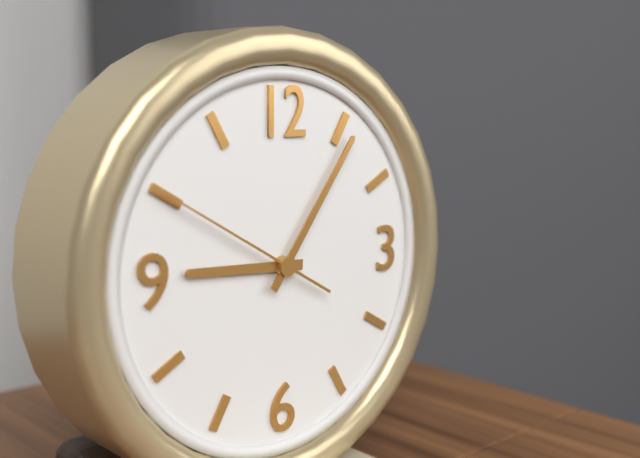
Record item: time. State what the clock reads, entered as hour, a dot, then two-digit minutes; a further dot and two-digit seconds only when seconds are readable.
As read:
9.06.50
